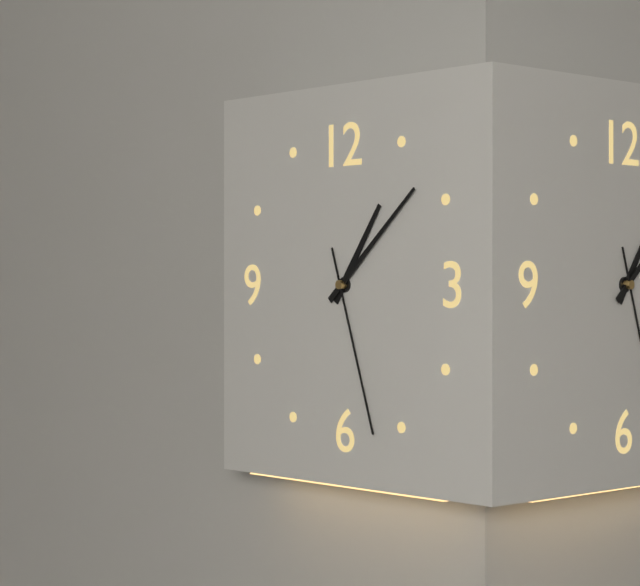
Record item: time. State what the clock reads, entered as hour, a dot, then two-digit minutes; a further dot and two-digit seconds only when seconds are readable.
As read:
1.08.27
